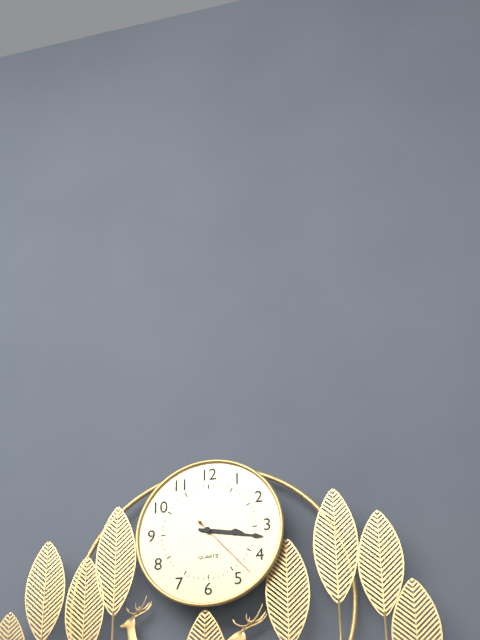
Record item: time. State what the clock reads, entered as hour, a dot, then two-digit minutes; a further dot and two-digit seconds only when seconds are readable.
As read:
3.17.23
